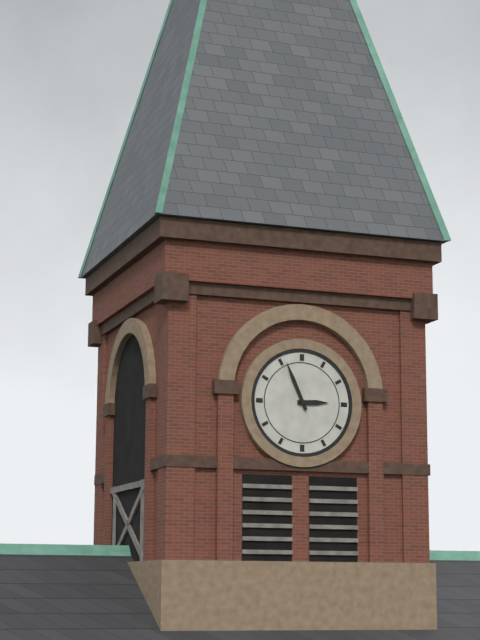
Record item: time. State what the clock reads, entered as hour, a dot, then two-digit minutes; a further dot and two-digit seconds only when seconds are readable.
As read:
2.56
